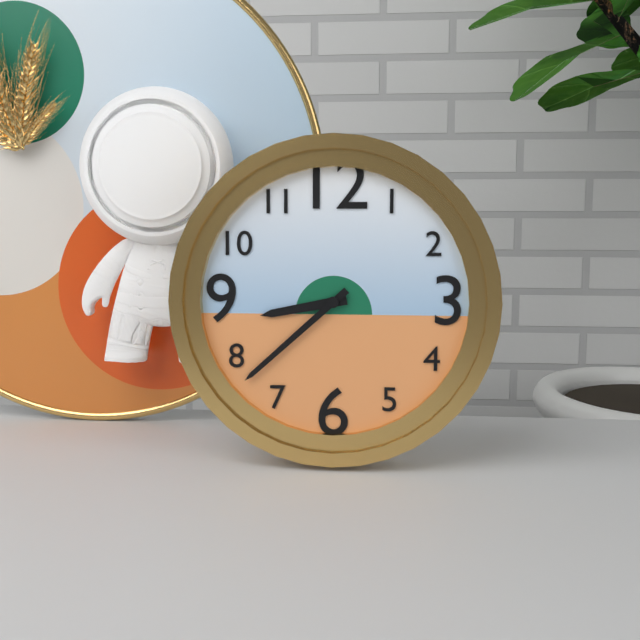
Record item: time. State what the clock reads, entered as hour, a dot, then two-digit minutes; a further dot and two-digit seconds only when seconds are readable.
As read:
8.38
